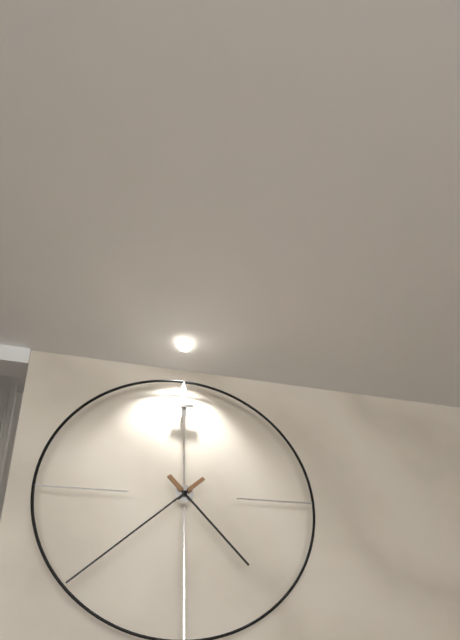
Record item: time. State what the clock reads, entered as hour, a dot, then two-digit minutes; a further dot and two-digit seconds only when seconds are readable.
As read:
4.38
